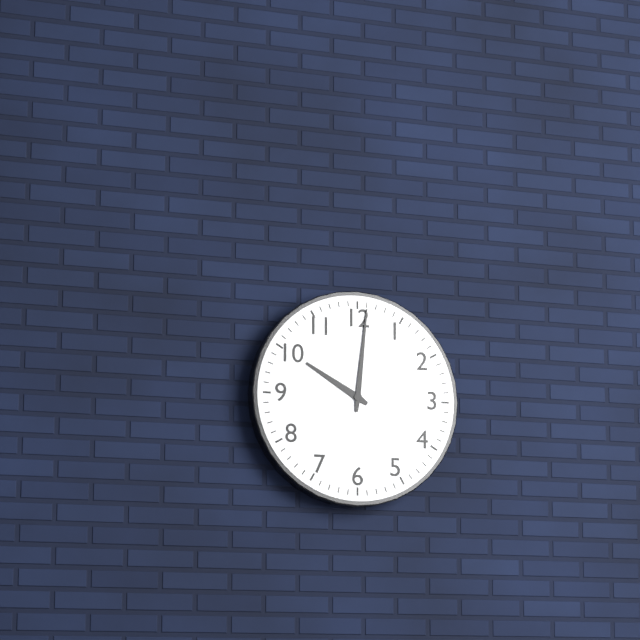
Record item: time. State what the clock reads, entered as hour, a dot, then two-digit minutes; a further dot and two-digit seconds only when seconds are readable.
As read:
10.01
